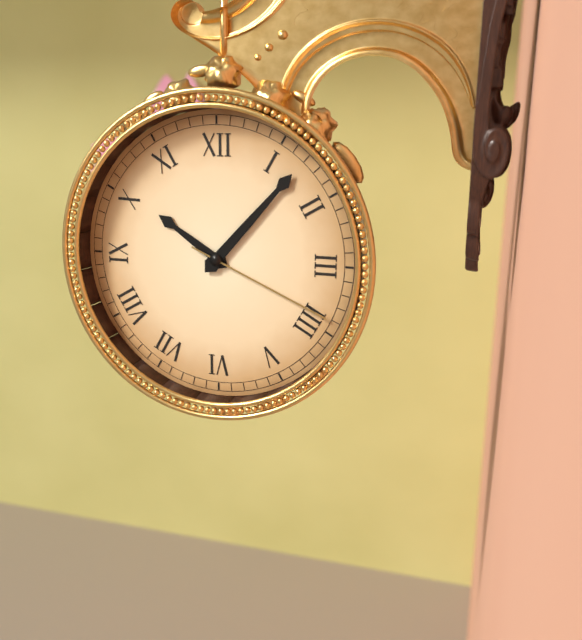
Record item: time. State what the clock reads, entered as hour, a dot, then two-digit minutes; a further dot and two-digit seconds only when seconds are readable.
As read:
10.07.19
